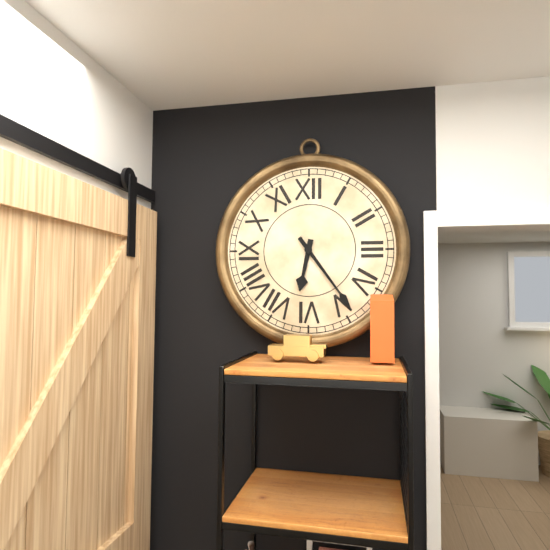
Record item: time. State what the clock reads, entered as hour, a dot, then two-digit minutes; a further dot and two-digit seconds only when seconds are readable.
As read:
6.24
